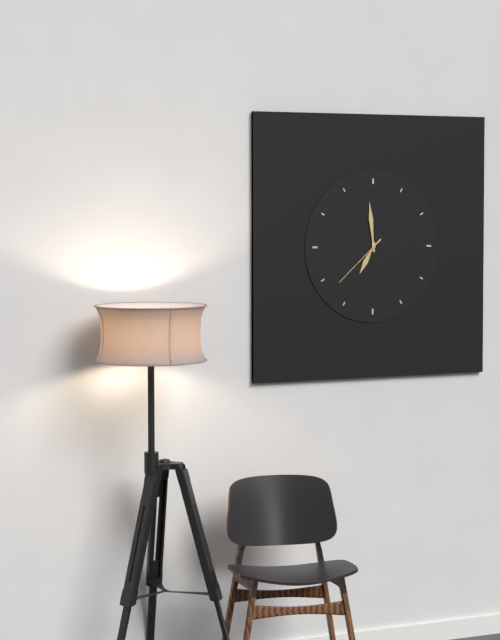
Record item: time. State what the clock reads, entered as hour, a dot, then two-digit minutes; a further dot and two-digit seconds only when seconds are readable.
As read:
6.59.38
